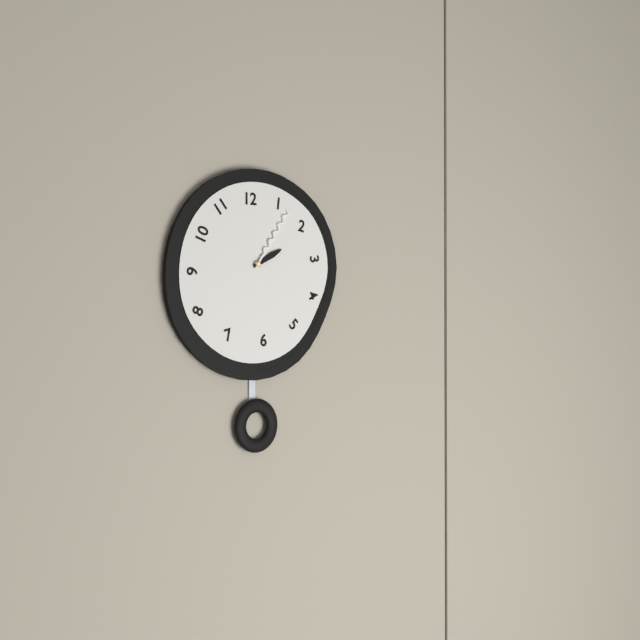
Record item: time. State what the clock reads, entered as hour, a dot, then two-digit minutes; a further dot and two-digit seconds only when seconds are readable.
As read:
2.06
